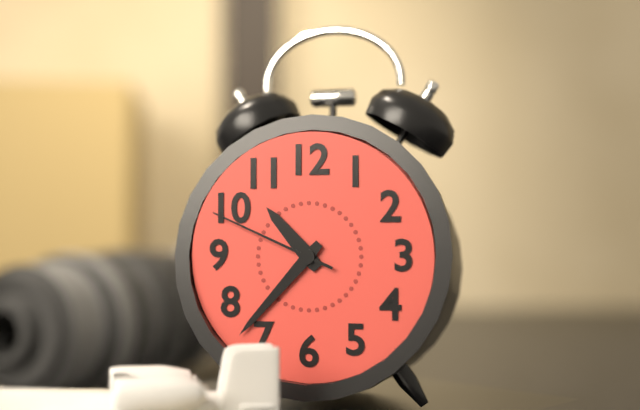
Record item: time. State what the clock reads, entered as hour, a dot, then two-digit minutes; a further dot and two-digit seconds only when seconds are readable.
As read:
10.37.49
